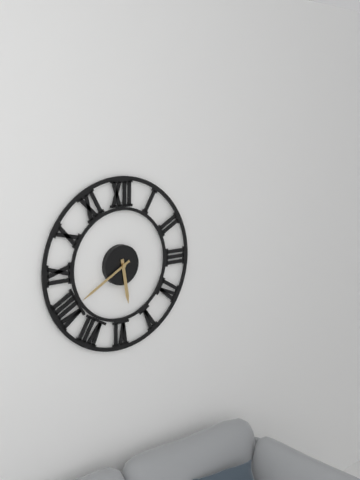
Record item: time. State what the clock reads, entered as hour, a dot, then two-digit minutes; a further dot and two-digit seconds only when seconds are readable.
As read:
5.40
